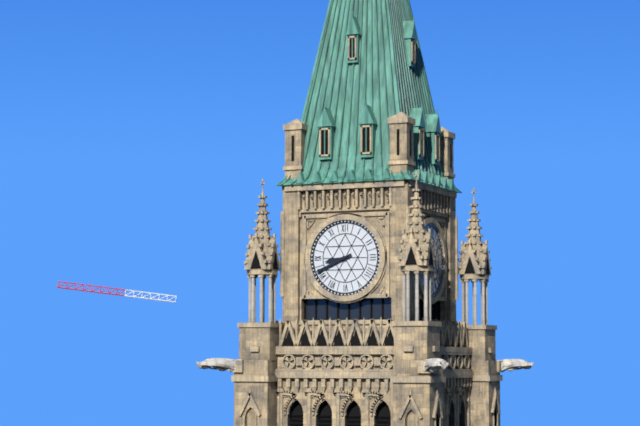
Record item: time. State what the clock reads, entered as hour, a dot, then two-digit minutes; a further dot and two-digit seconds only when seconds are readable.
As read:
8.41
